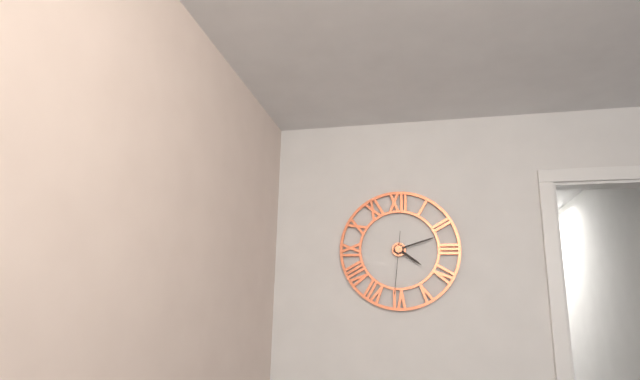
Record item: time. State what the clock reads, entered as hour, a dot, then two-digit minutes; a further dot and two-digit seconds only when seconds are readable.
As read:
4.12.31
